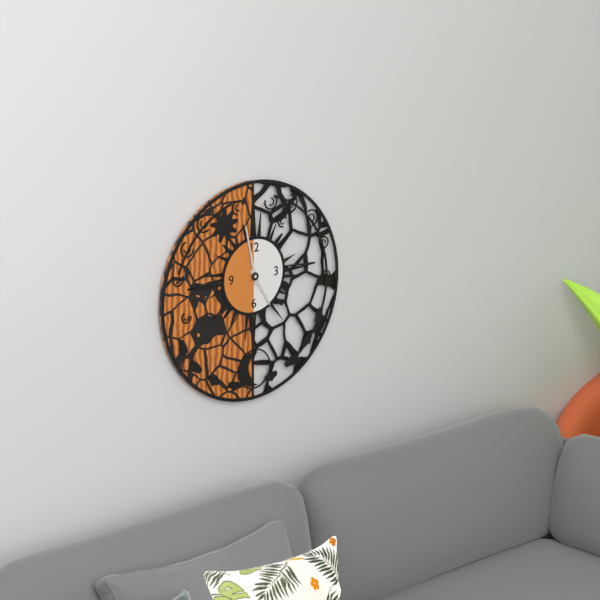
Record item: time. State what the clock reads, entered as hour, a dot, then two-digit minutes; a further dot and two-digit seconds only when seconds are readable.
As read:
4.58
